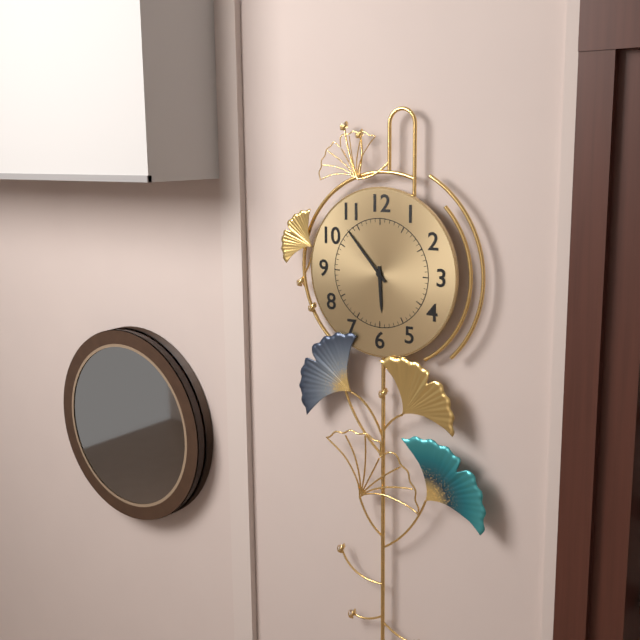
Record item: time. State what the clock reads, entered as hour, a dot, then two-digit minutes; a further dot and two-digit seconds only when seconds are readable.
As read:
5.53
